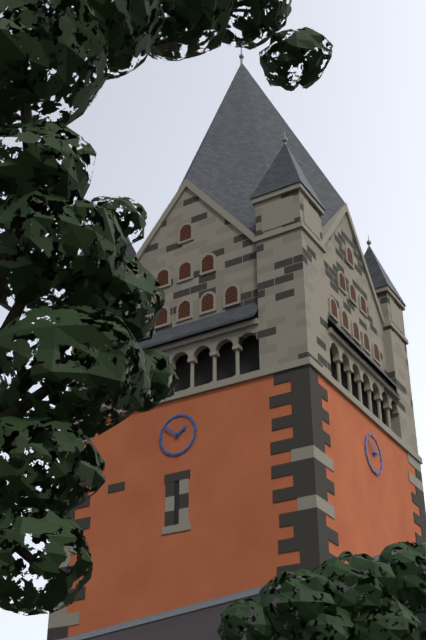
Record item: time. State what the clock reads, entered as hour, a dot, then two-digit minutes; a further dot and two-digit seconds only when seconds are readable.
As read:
1.51
